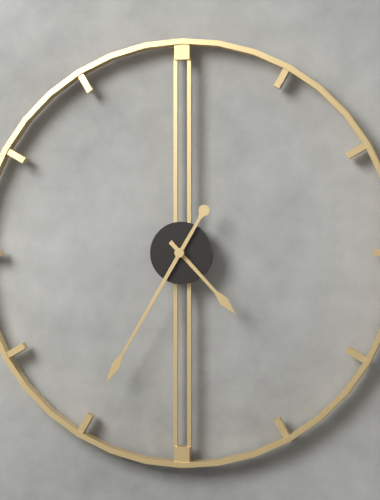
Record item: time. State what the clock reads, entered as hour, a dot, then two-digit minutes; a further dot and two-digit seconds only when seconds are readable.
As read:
4.35
